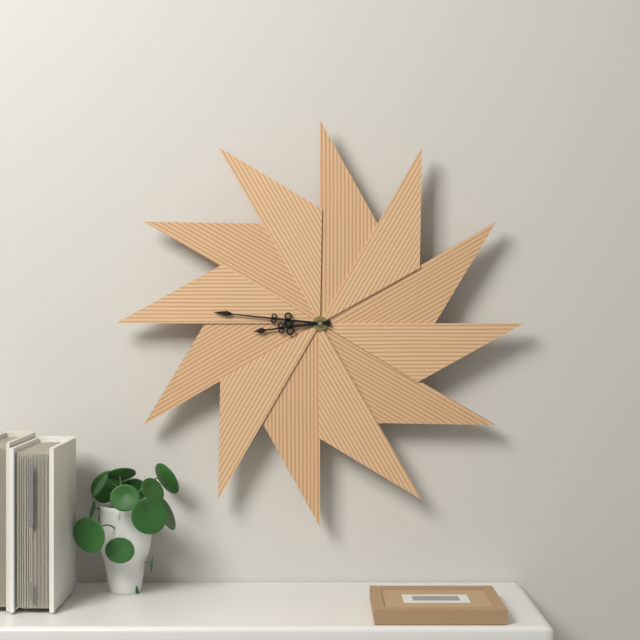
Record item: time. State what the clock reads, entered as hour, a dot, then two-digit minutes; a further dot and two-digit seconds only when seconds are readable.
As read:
8.46
